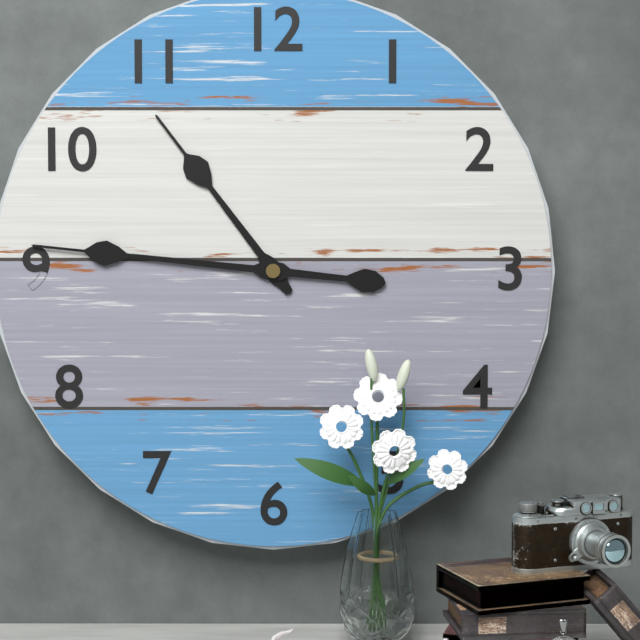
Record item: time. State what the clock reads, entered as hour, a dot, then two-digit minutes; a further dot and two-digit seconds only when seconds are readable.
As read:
10.46
